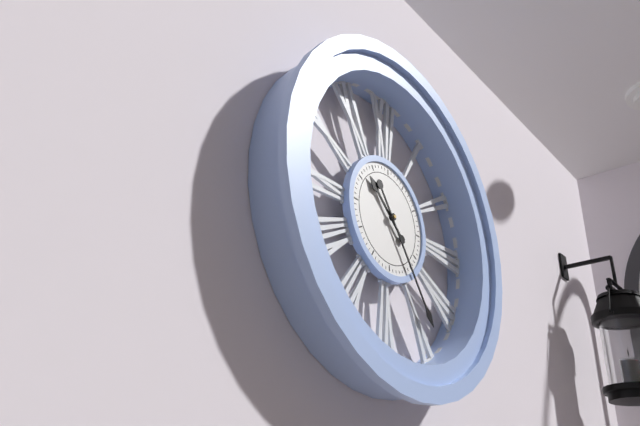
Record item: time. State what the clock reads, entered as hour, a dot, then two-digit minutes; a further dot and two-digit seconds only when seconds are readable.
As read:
10.24
